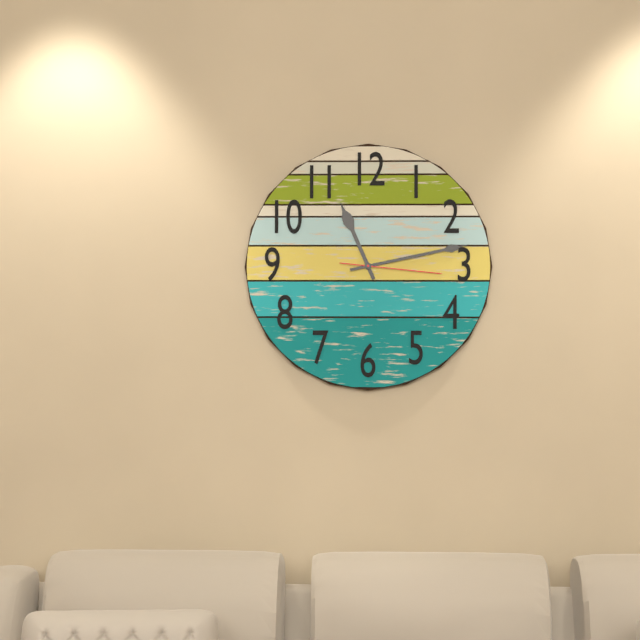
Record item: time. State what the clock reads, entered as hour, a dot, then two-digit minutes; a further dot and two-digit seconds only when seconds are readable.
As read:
11.13.16
